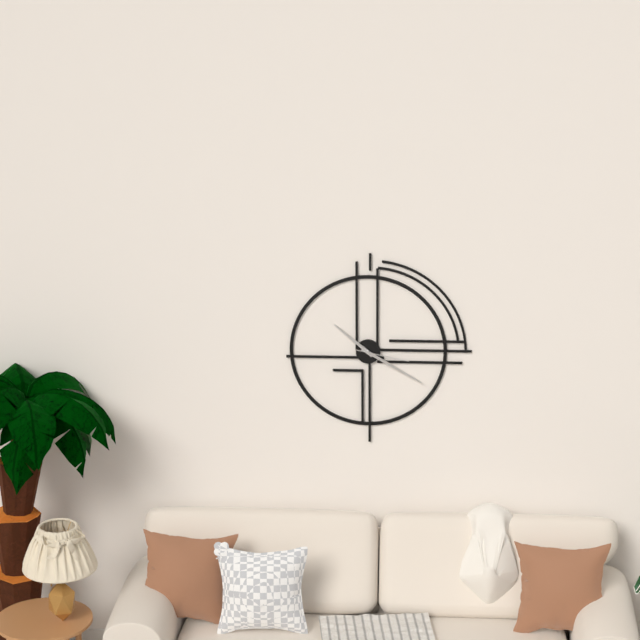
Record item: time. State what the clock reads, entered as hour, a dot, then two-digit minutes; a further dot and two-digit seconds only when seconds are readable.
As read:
10.20.17
